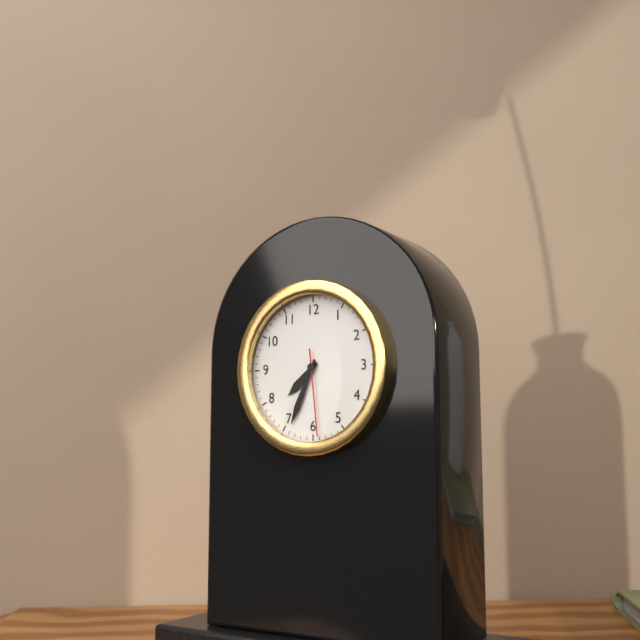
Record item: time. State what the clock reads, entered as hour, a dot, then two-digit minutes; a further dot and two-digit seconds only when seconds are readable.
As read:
7.34.29
